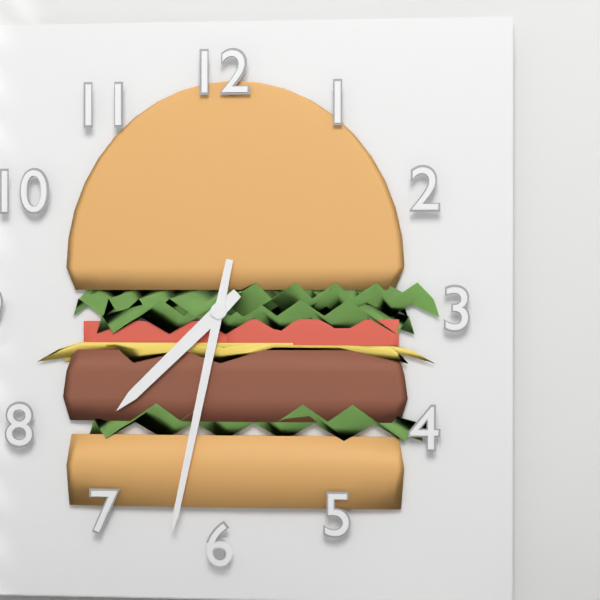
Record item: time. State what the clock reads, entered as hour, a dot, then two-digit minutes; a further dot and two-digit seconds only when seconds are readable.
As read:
7.32
